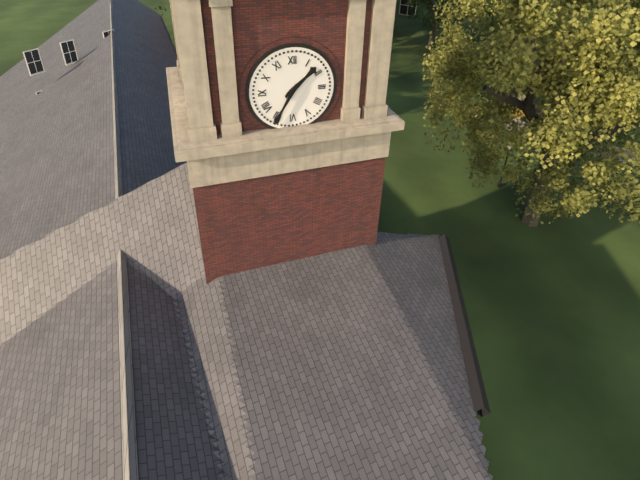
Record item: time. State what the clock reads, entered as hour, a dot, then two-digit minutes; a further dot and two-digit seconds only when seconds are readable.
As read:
1.35
